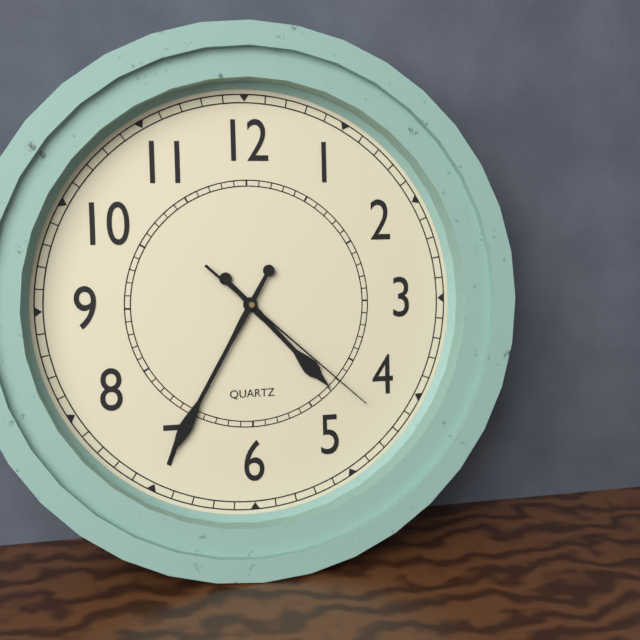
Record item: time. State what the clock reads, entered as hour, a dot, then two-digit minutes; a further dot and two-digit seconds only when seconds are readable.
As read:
4.35.22
